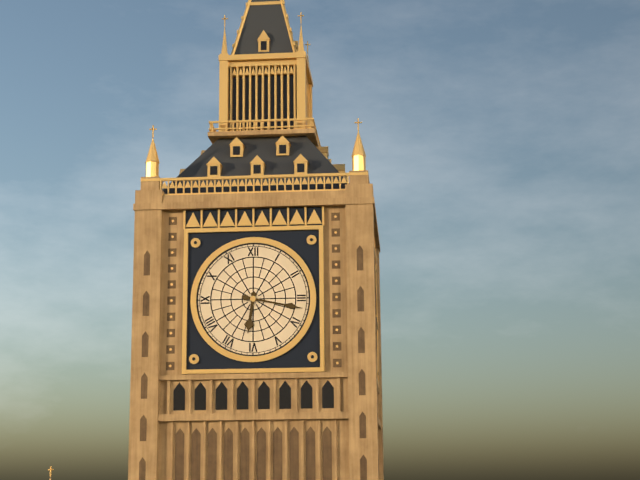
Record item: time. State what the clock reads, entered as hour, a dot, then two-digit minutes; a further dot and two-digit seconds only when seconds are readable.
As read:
6.17
